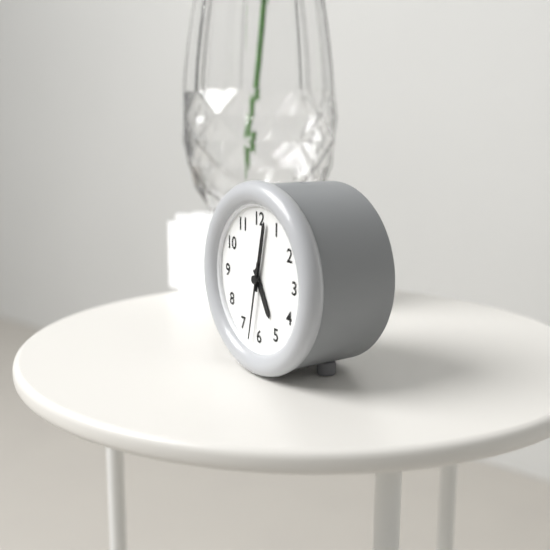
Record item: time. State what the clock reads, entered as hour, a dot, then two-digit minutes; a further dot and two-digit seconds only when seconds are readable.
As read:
5.02.32
